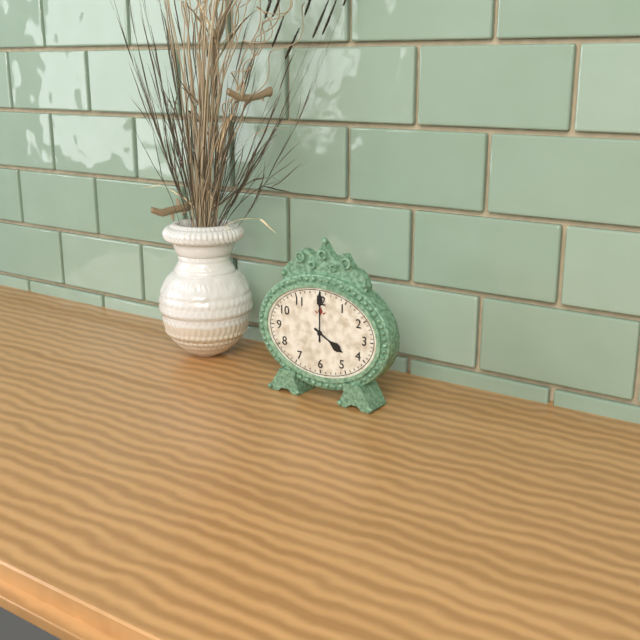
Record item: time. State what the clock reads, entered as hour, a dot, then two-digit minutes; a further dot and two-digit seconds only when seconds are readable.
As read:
4.00
